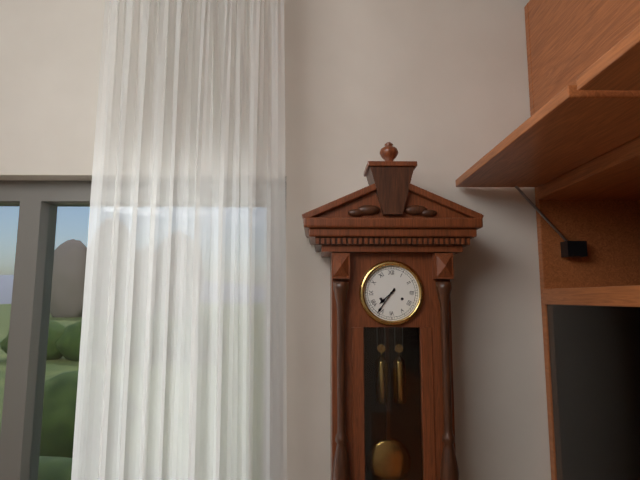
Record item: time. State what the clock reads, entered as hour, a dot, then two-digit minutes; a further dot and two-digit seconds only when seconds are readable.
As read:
7.36
